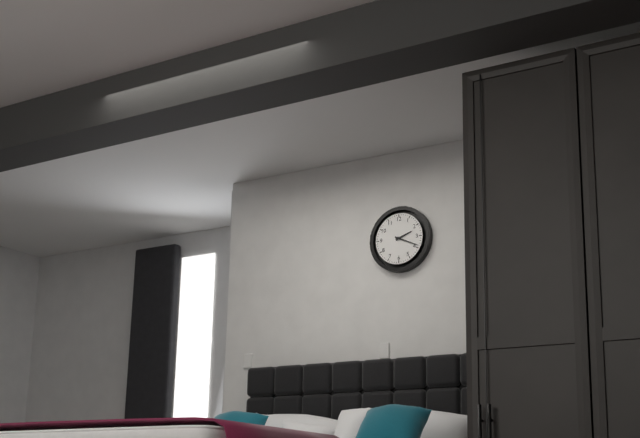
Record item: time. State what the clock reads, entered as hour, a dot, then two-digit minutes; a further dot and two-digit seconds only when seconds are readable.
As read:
2.19
